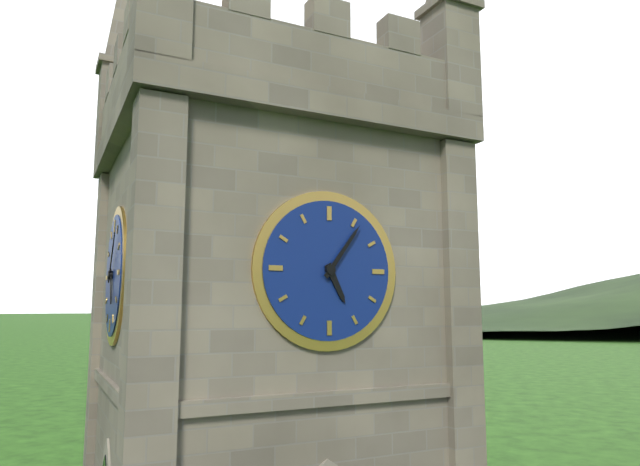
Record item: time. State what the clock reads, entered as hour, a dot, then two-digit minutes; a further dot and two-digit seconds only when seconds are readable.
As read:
5.06
